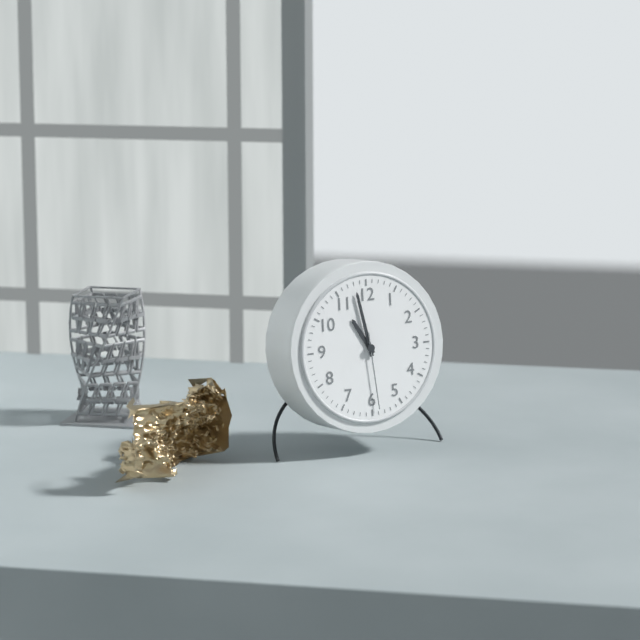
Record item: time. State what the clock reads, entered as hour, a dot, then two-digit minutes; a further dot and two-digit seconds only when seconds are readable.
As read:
10.58.29
